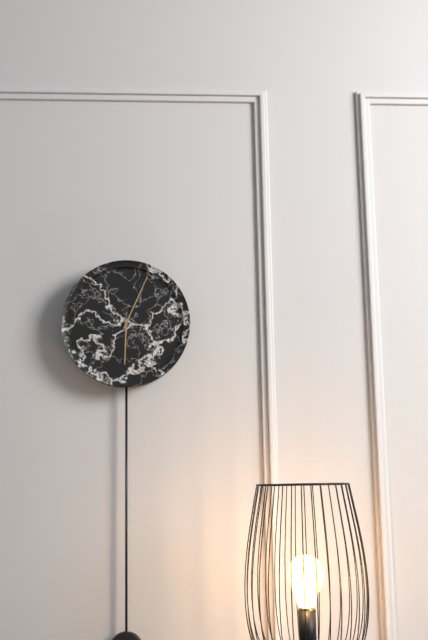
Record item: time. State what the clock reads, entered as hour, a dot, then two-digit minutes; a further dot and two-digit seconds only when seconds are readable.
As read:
6.04
